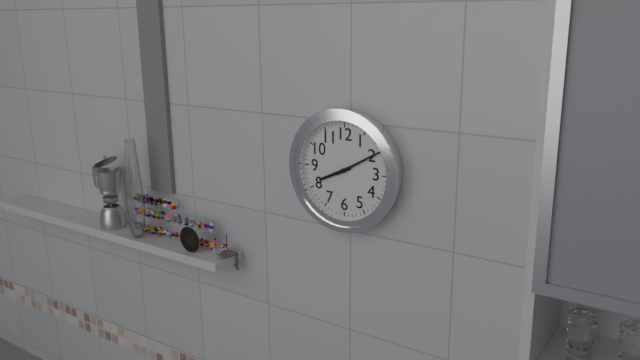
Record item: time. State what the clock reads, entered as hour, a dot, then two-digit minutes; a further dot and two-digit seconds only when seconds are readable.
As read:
8.10
